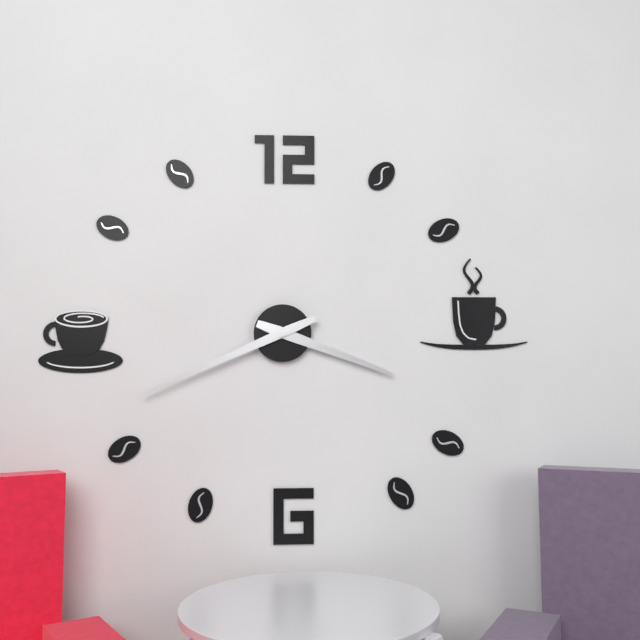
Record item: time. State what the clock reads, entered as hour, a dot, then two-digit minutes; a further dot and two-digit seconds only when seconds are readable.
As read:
3.41
